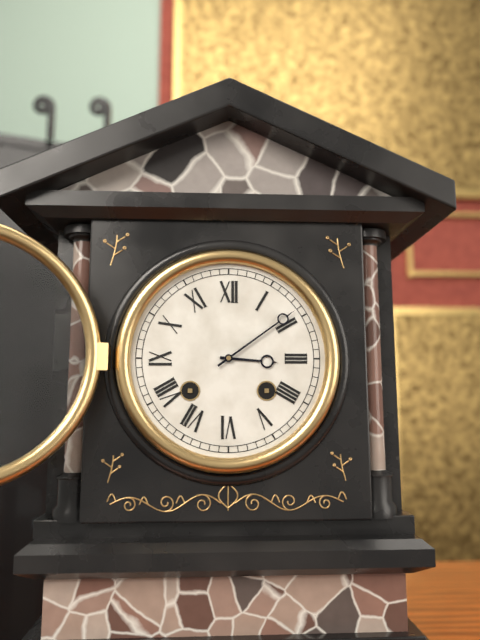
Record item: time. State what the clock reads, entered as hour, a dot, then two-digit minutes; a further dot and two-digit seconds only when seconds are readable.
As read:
3.09
